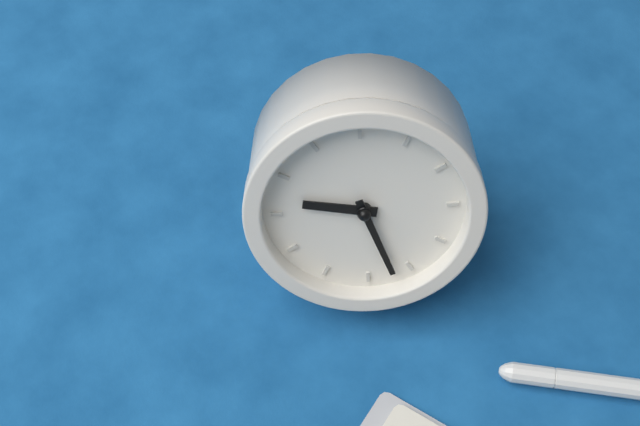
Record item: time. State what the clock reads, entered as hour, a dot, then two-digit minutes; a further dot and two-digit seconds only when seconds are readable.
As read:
8.22
